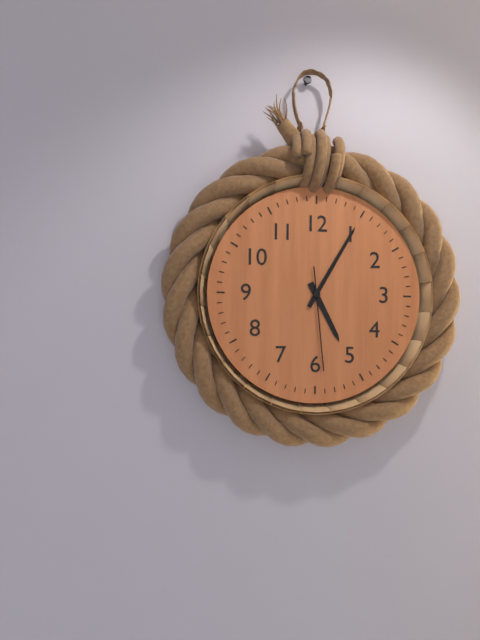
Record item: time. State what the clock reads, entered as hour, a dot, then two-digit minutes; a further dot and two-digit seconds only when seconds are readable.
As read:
5.05.29
